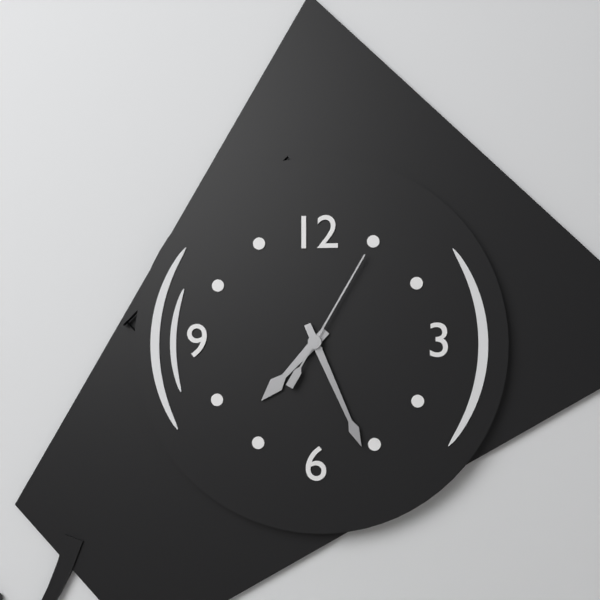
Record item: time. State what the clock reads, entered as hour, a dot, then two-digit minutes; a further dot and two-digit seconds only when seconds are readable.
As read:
7.26.05
